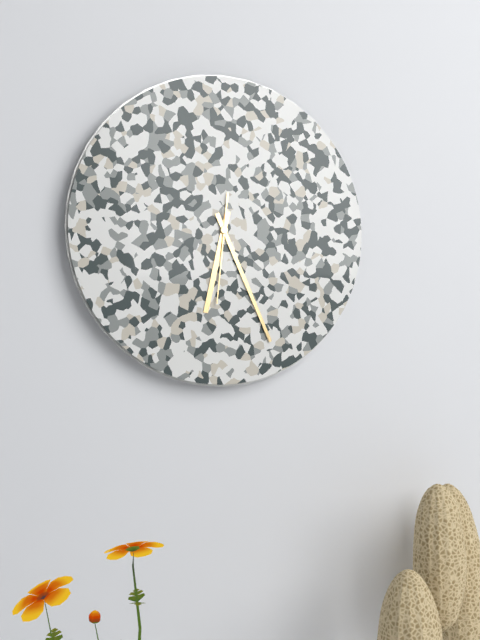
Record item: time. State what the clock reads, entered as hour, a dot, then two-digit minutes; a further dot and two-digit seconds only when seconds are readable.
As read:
6.26.31
